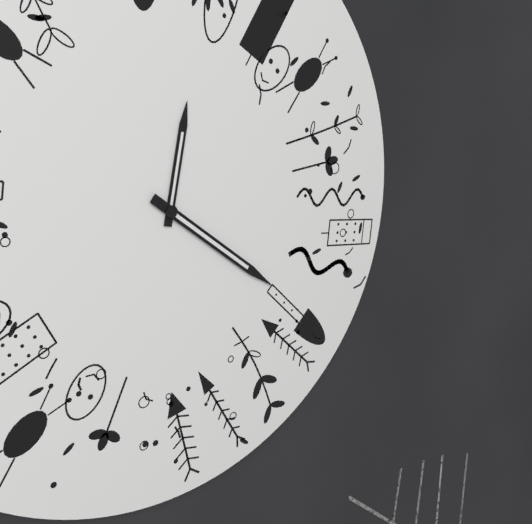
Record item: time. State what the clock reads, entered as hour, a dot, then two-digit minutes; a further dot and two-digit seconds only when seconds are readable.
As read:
12.21
